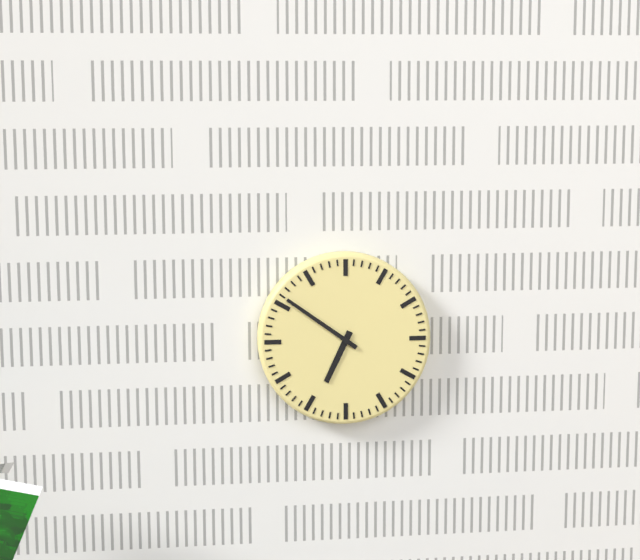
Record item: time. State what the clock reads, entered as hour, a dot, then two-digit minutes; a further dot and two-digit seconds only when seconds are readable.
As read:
6.51
